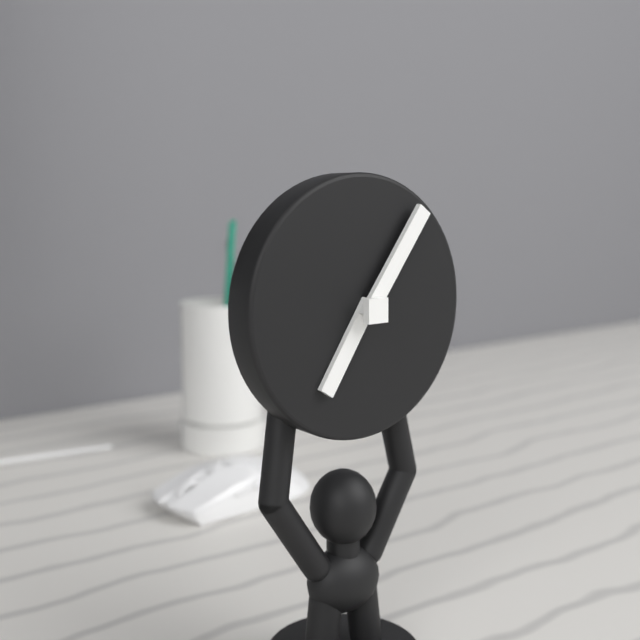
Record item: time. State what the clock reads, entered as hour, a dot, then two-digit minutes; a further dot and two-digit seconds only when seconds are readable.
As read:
7.06
